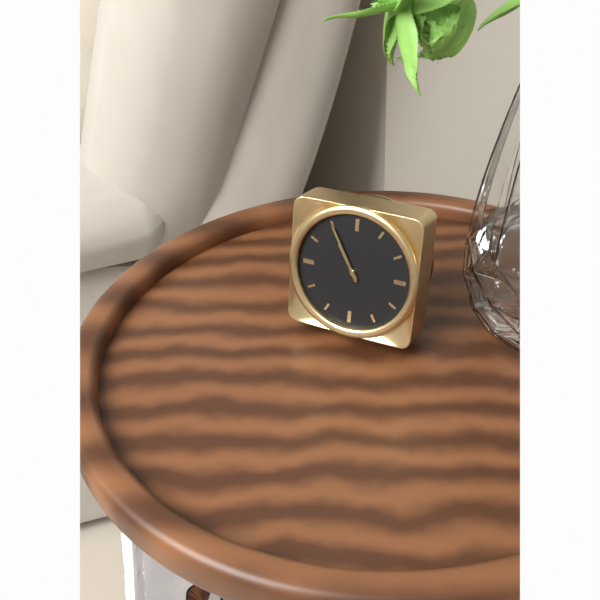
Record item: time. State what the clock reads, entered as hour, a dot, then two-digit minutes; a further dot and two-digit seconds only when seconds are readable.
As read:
10.55
